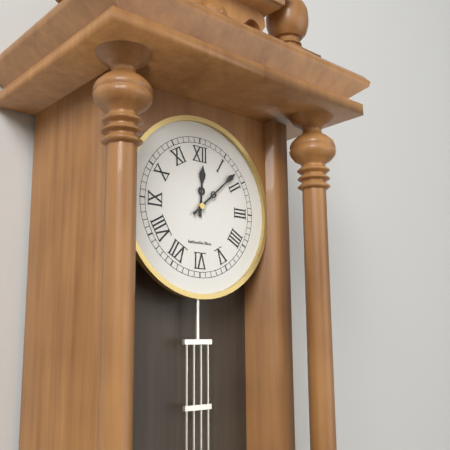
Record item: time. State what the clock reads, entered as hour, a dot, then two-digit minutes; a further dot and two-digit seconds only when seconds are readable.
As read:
12.08
